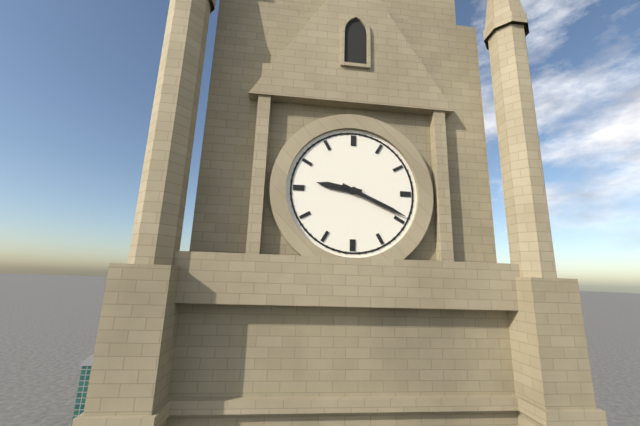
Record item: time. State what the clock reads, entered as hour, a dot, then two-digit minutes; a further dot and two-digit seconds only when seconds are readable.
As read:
9.19
